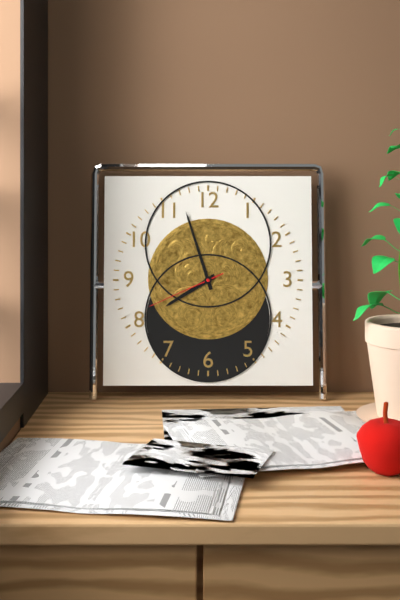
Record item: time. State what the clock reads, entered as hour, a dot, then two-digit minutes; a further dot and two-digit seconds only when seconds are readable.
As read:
7.57.41
